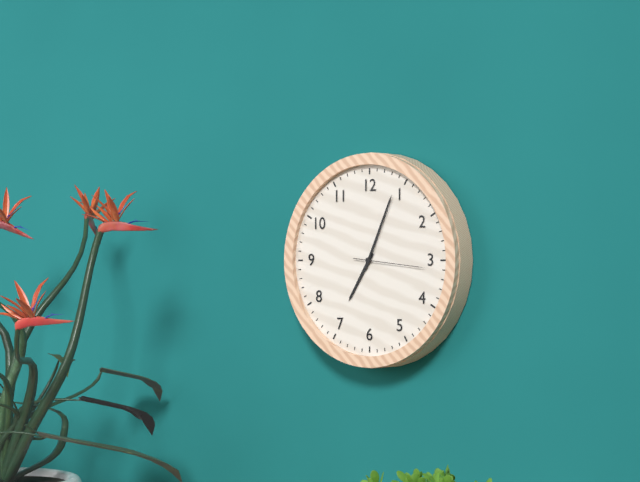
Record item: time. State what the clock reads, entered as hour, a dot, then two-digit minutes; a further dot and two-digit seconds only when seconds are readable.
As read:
7.04.16
